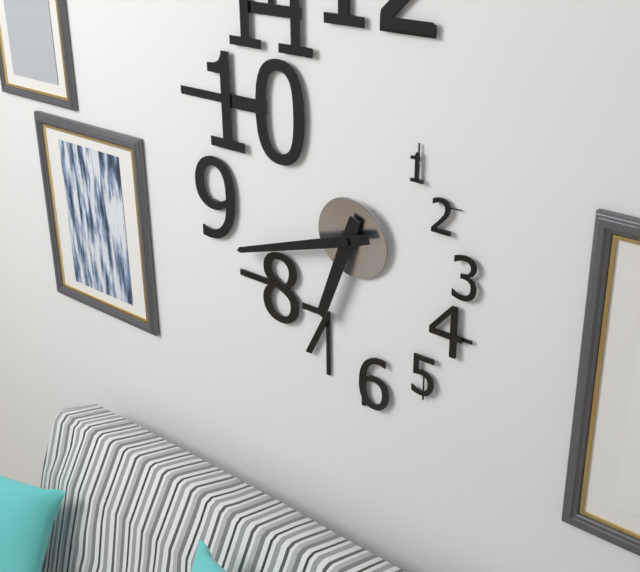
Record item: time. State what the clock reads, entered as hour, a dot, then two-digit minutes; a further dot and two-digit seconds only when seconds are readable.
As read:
6.42
